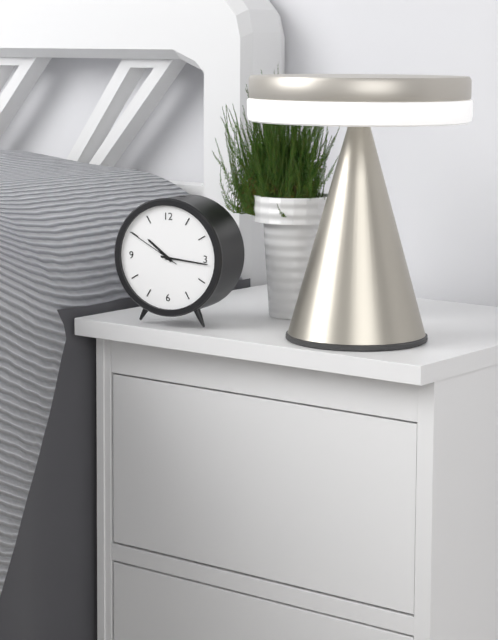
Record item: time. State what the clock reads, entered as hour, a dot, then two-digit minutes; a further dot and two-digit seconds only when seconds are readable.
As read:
10.16.50
